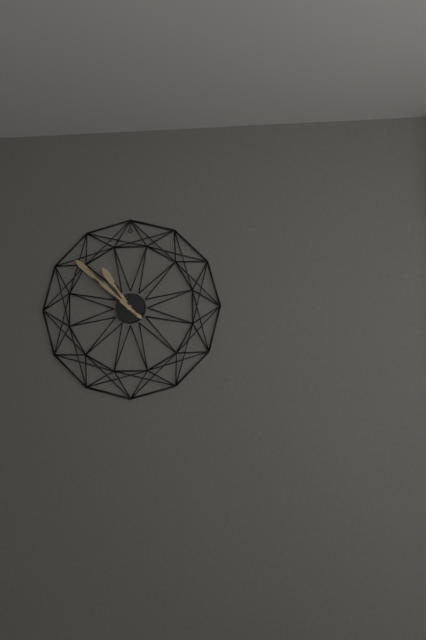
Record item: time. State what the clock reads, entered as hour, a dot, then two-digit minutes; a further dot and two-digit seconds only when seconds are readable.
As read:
10.52
